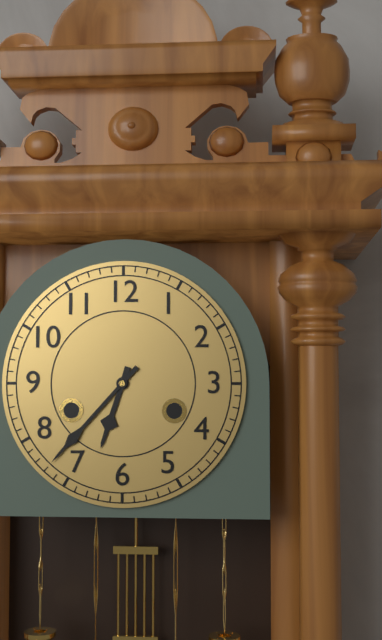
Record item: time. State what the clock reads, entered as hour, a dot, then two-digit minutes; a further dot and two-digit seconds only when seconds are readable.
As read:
6.37
